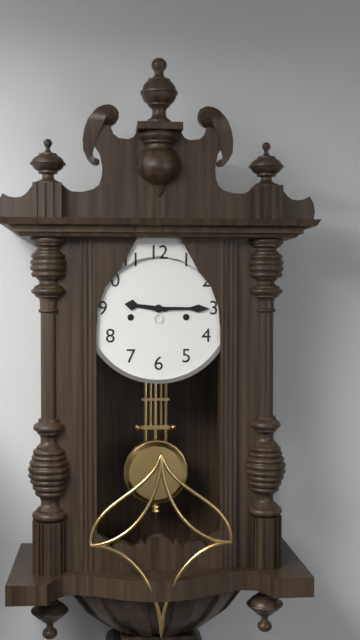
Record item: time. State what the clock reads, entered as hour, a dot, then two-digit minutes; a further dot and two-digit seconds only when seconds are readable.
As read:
9.15
